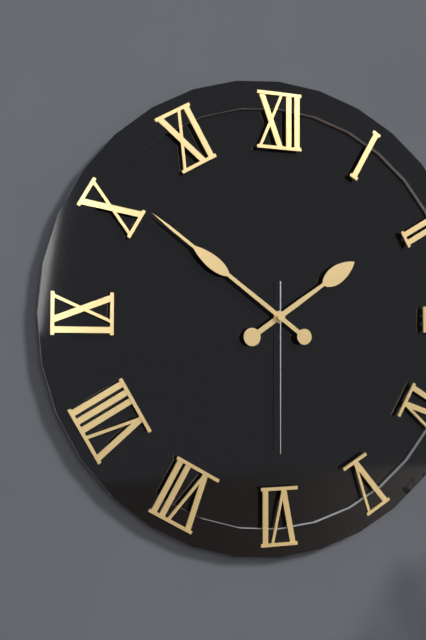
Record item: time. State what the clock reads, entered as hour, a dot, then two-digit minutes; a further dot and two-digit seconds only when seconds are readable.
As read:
1.51.30
